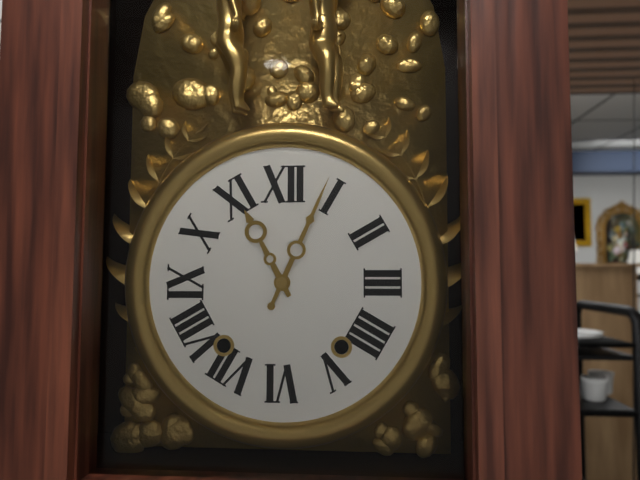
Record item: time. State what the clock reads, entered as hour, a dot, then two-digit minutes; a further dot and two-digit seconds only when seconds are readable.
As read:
11.04
